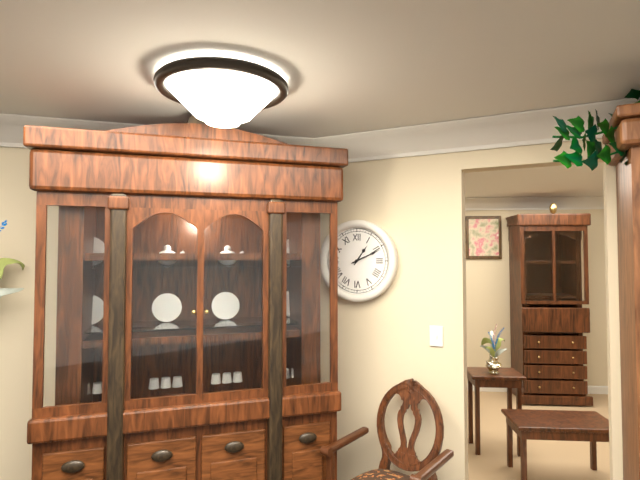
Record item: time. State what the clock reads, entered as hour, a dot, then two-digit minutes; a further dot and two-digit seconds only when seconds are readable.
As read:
1.11
